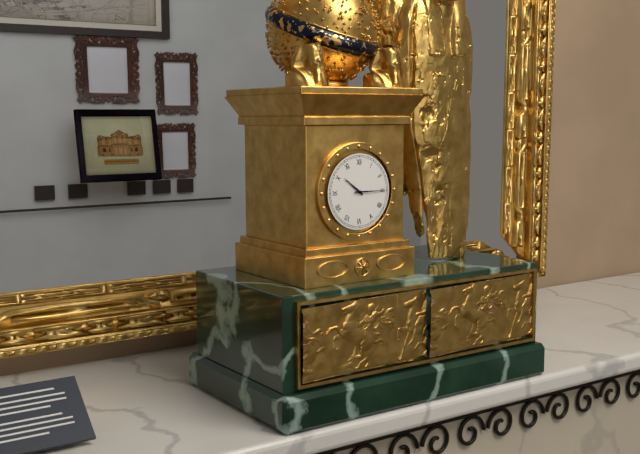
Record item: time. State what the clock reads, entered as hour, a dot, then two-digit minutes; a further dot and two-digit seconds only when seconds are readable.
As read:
10.15
